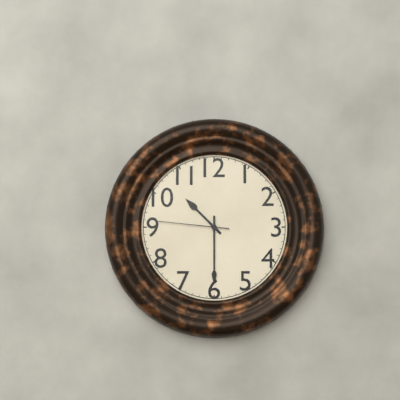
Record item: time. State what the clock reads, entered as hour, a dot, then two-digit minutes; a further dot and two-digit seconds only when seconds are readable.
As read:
10.30.46
